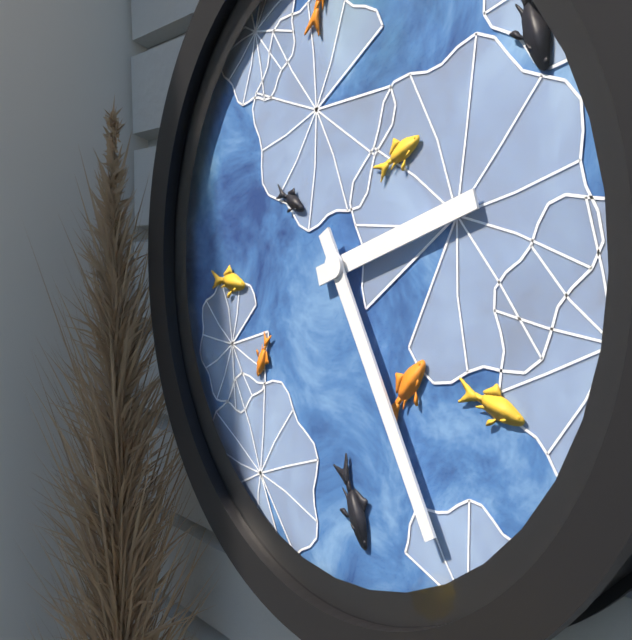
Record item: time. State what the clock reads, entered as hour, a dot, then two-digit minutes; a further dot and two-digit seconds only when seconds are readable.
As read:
2.25
